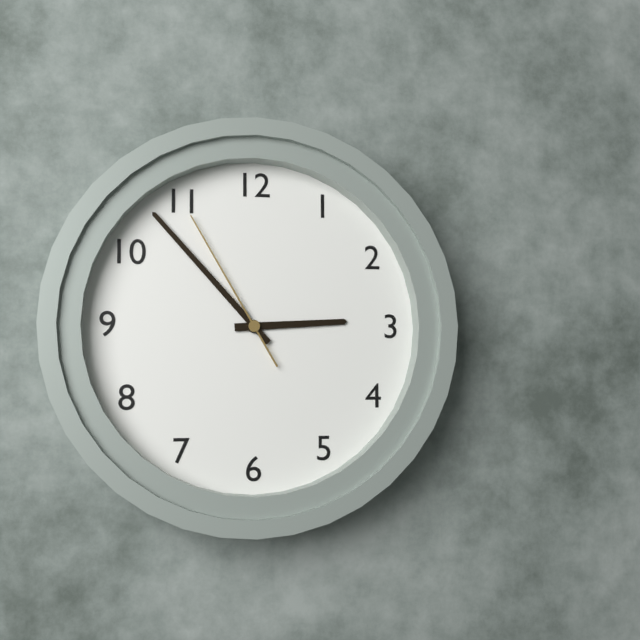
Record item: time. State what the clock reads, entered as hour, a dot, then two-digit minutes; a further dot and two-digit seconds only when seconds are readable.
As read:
2.53.55
